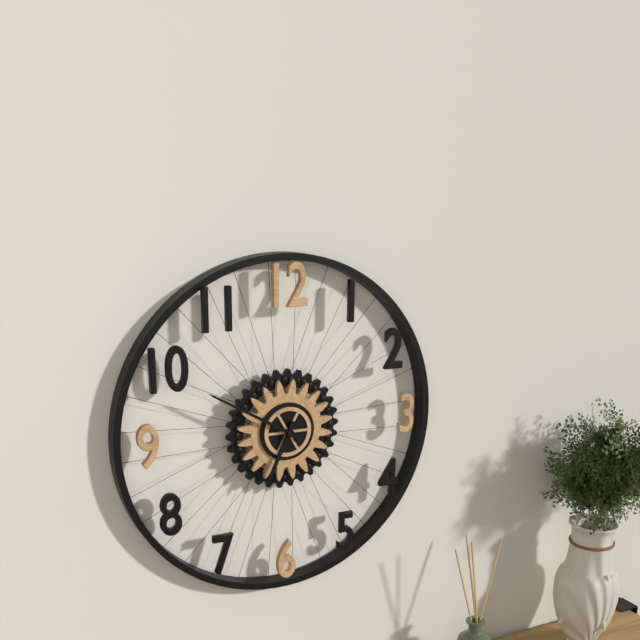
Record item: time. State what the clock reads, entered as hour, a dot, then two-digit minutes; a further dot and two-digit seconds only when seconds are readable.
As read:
6.50
